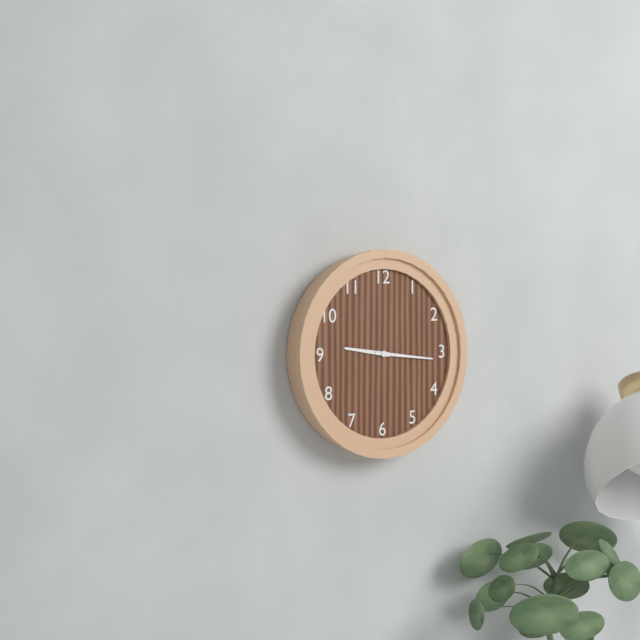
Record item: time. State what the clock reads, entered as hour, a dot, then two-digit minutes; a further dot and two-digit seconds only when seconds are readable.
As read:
9.16
